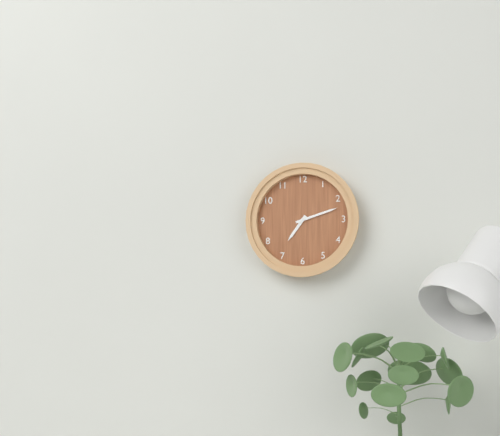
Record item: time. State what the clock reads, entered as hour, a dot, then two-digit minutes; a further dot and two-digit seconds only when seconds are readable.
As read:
7.12
